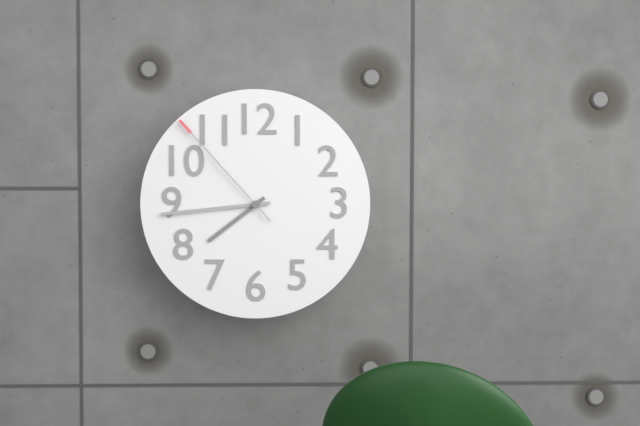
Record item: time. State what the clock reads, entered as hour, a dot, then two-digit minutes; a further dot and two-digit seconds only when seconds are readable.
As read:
7.44.53
